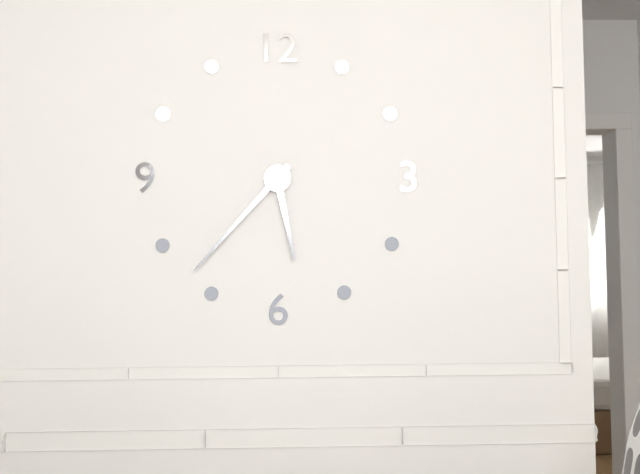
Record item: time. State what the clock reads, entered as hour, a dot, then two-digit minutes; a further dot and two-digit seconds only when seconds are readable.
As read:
5.37
